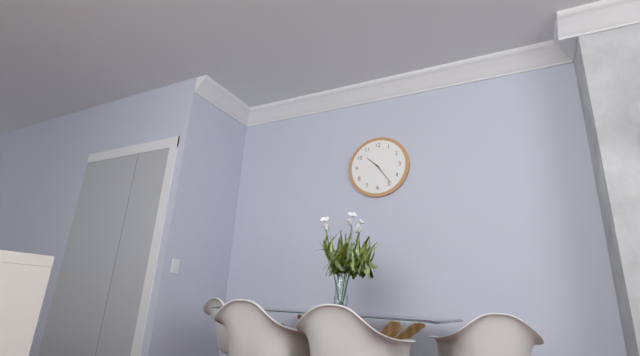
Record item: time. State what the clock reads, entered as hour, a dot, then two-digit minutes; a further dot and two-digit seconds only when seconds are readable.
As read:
10.24
